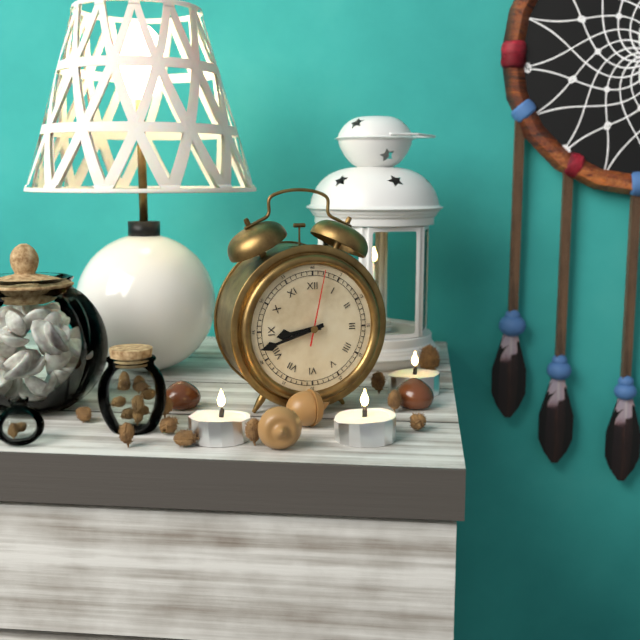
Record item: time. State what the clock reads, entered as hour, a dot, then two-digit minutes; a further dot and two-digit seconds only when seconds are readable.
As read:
8.42.02
